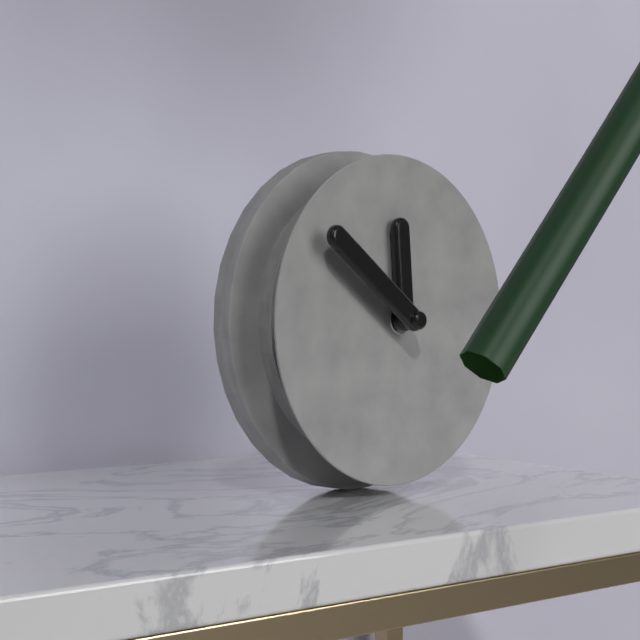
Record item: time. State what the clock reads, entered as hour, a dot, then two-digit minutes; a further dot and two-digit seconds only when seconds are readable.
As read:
11.51
